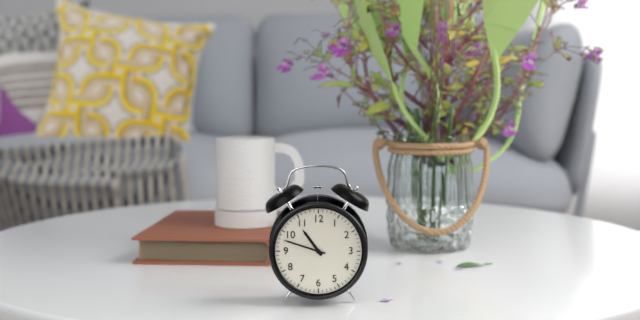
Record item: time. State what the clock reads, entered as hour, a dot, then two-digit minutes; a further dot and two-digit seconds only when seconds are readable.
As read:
10.48
